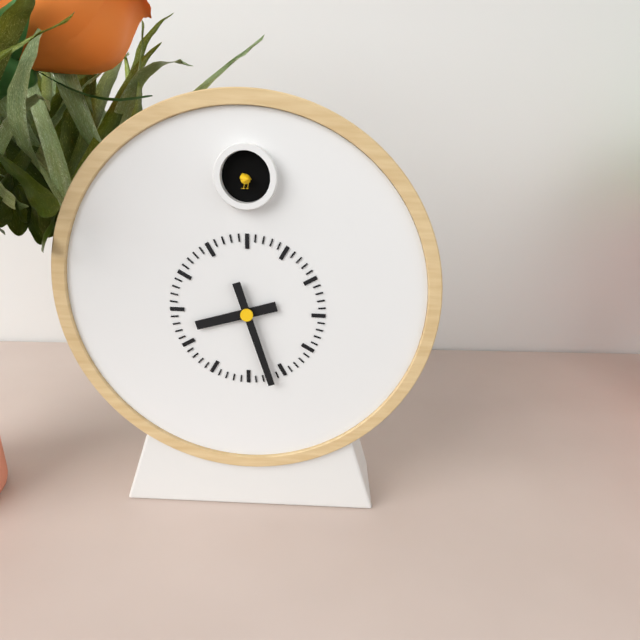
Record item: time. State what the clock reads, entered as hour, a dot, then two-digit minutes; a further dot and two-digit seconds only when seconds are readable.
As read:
8.27
